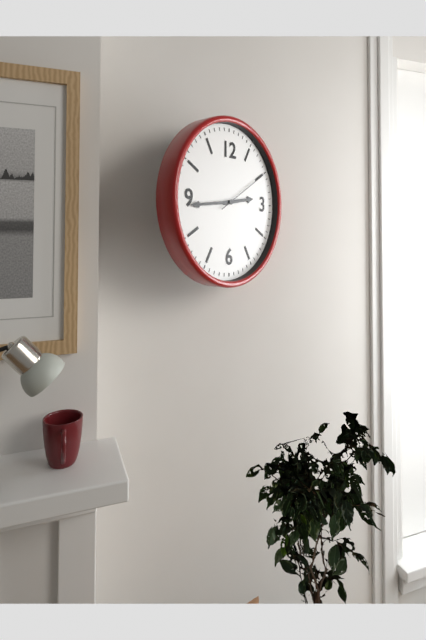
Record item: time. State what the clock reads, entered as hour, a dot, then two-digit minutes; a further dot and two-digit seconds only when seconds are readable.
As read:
2.44.10
